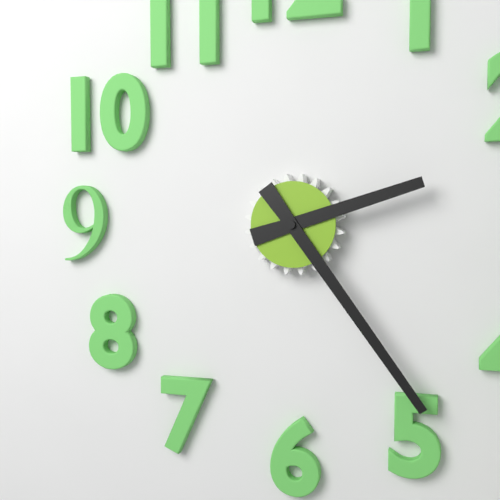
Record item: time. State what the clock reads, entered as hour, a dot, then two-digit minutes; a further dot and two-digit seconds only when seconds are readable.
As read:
2.24
